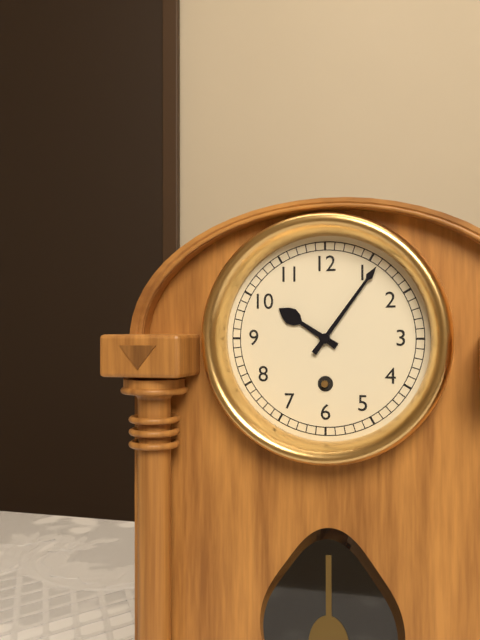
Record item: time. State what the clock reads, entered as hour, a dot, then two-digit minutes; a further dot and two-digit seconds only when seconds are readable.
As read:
10.06
